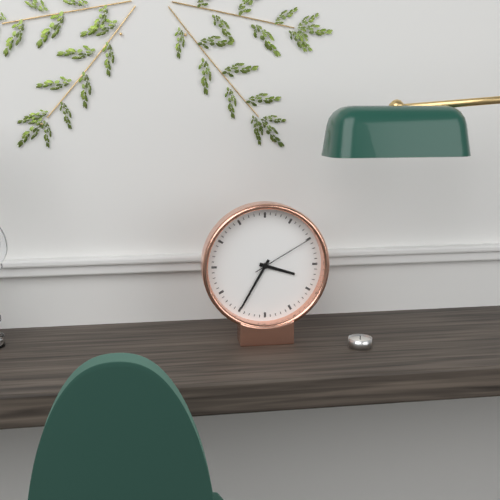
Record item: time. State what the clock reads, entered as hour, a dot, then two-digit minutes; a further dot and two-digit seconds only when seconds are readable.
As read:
3.35.10
